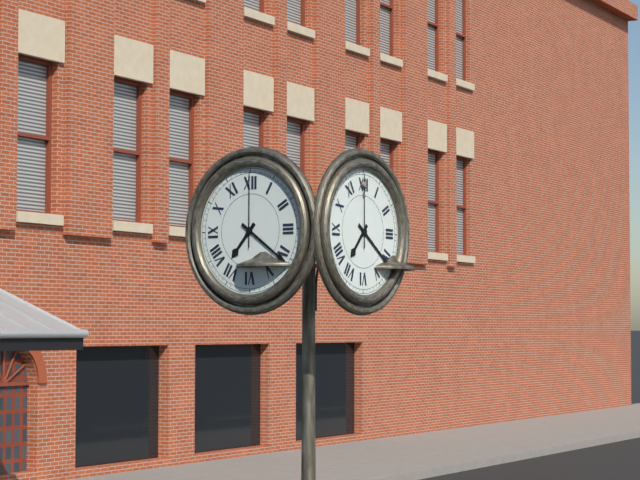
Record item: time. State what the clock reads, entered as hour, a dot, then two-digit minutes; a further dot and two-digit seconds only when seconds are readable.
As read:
7.21.00
